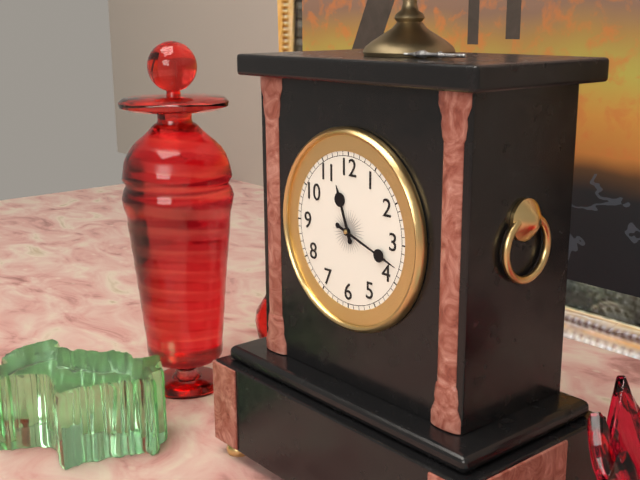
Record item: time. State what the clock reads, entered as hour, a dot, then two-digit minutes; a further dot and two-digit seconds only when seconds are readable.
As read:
11.18
